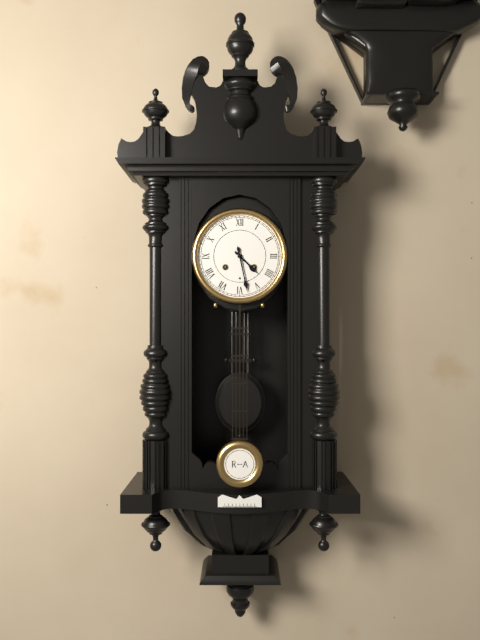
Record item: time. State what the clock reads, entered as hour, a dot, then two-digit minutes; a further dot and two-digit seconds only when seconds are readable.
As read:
4.28
